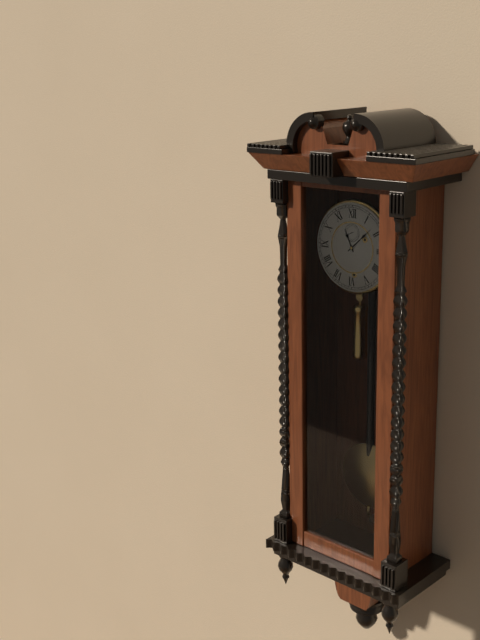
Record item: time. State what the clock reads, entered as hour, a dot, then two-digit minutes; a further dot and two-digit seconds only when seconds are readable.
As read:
11.08
